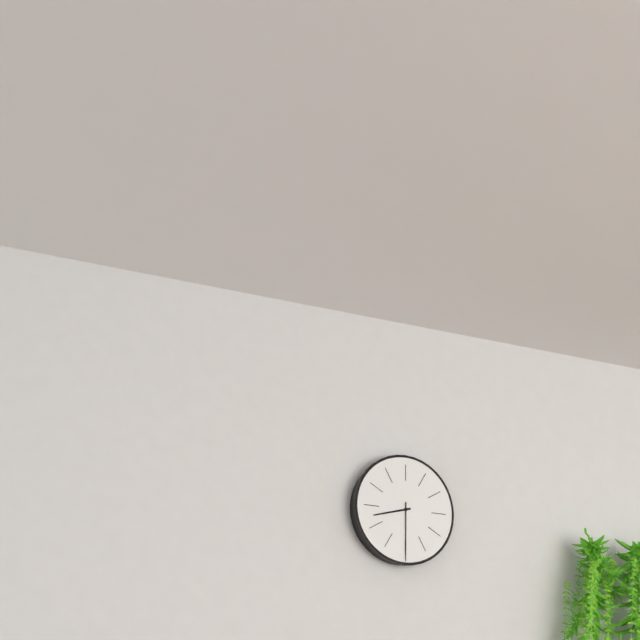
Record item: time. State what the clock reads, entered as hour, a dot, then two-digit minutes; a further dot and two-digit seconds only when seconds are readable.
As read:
8.30
